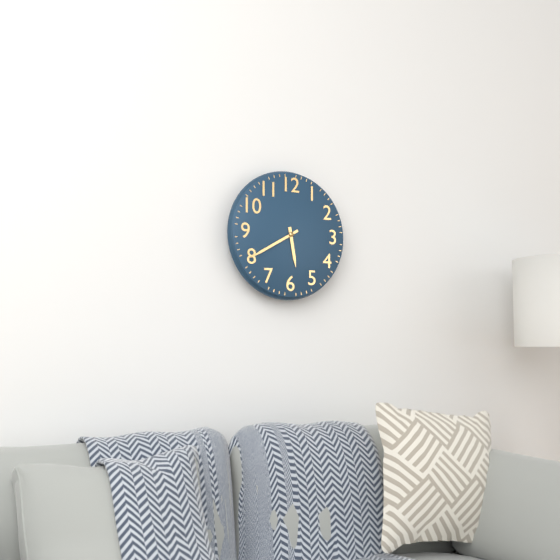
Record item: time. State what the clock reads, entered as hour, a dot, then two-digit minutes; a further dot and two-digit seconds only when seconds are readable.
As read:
5.40
